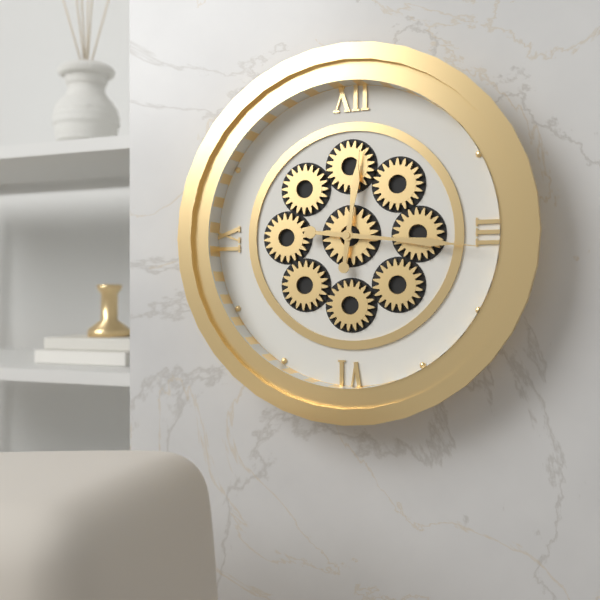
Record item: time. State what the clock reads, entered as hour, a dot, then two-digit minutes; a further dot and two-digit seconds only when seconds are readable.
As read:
12.16
